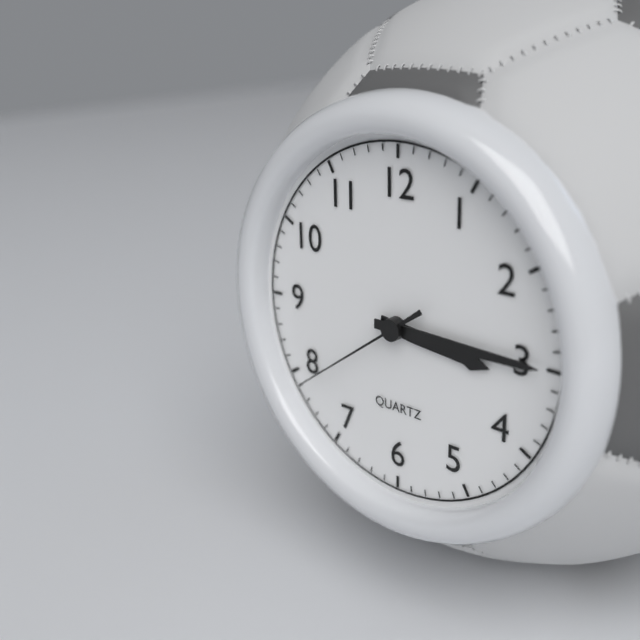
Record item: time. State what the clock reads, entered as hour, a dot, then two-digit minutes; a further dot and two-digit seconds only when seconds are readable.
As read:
3.15.39
